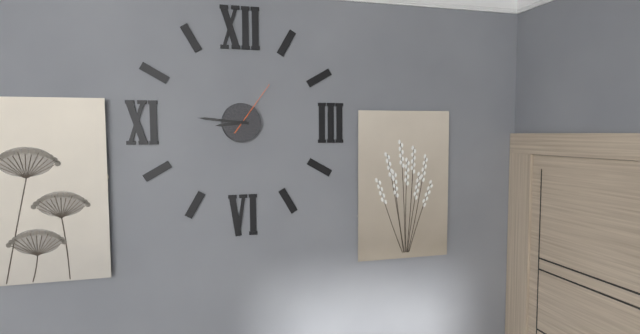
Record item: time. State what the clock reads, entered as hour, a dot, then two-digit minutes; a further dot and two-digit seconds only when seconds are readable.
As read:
8.46.06
